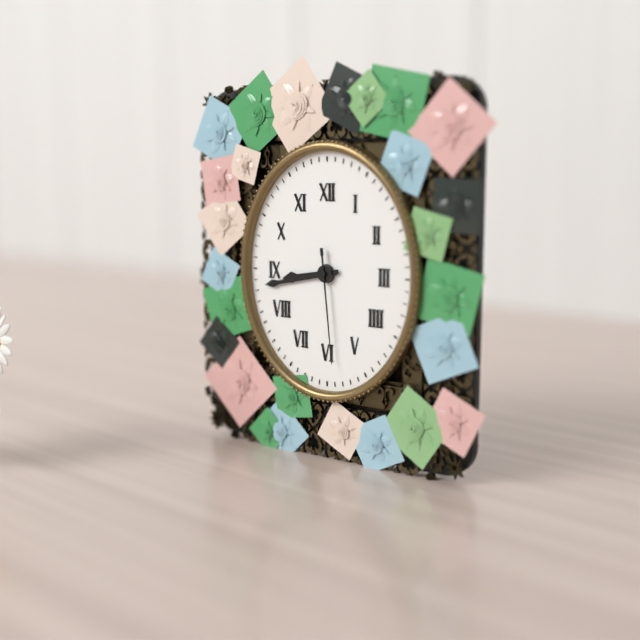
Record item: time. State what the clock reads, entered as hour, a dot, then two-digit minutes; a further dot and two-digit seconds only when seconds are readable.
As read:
8.43.29
